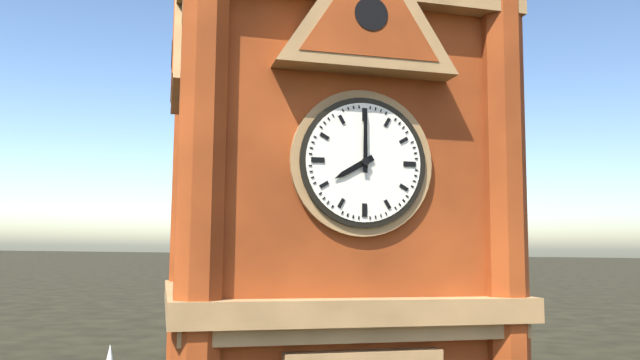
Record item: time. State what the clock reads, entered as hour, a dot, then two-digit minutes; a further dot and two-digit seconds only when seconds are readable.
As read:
8.00
